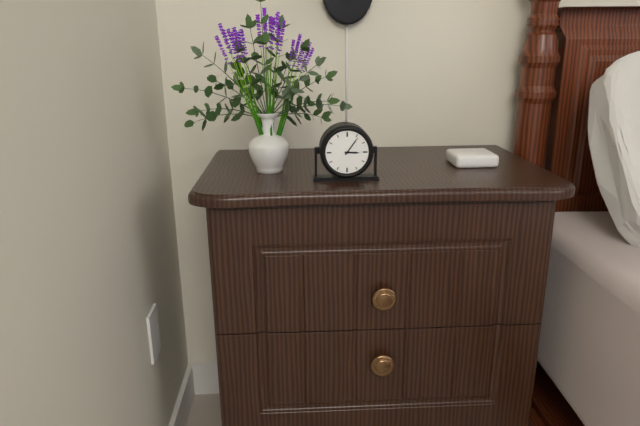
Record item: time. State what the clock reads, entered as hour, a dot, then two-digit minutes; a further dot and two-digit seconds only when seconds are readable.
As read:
3.06
